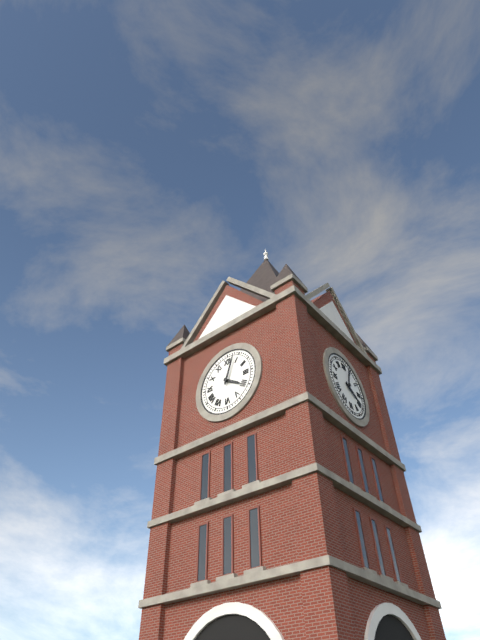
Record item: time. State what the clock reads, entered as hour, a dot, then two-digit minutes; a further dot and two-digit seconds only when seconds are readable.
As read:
4.03
